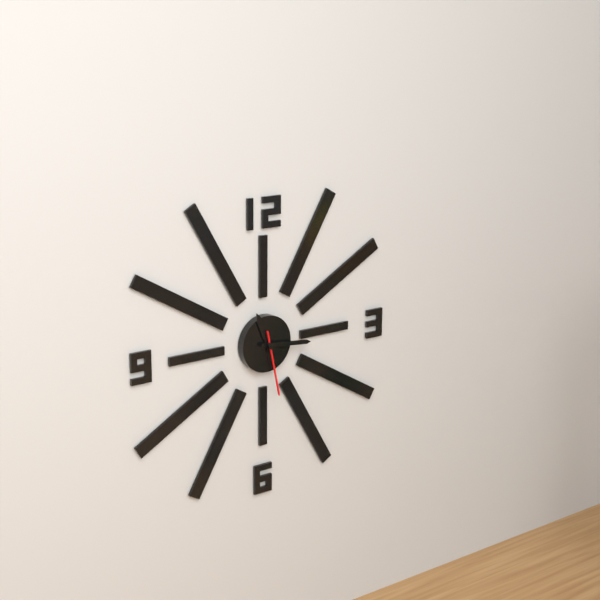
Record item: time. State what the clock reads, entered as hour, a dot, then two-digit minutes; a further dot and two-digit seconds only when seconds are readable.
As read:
11.16.28
